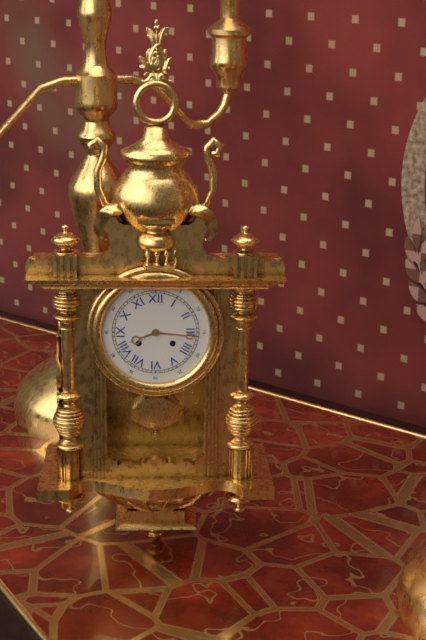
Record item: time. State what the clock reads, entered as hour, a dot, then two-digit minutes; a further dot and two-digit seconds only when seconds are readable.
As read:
8.16
